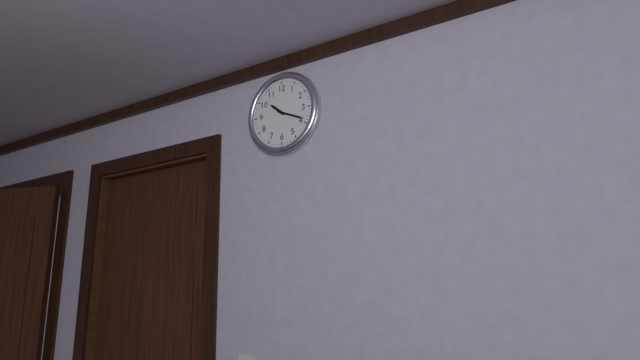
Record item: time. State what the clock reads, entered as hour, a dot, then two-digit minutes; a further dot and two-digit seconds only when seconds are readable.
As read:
10.19
